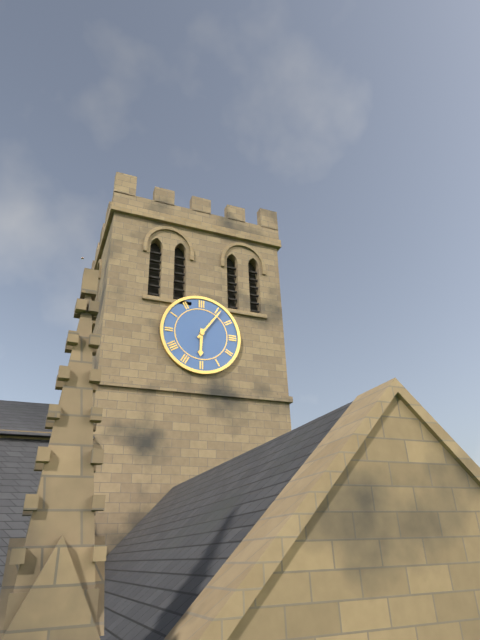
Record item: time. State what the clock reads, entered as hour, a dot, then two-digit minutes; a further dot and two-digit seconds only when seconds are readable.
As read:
6.06
